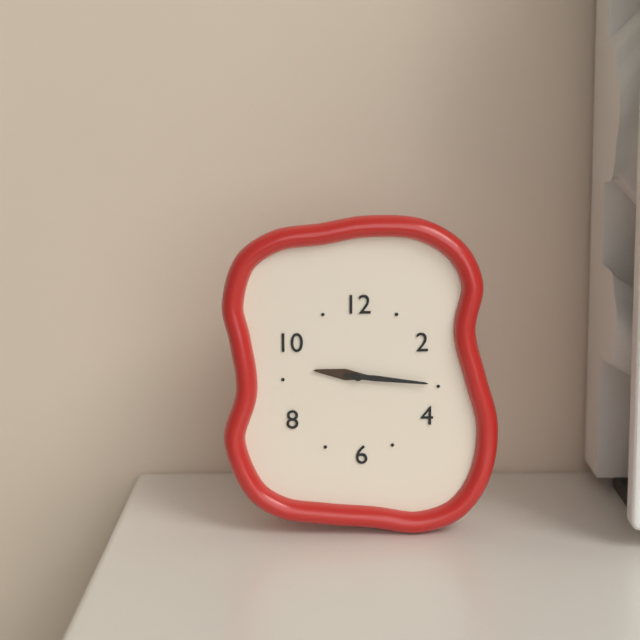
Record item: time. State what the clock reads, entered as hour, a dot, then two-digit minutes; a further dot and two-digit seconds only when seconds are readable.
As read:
9.16
